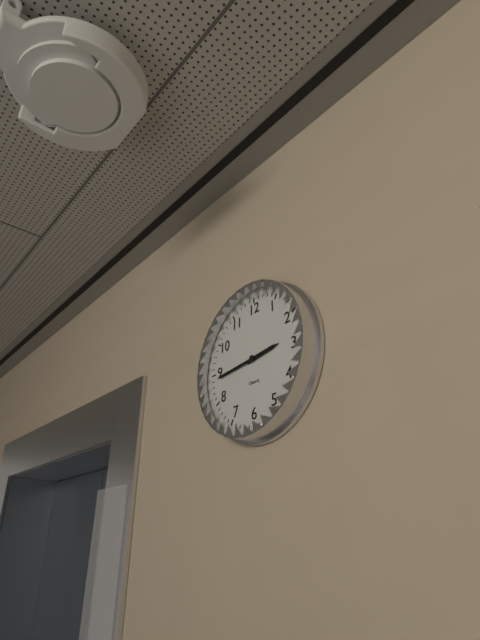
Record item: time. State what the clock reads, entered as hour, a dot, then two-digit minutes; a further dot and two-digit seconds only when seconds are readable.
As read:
2.44
